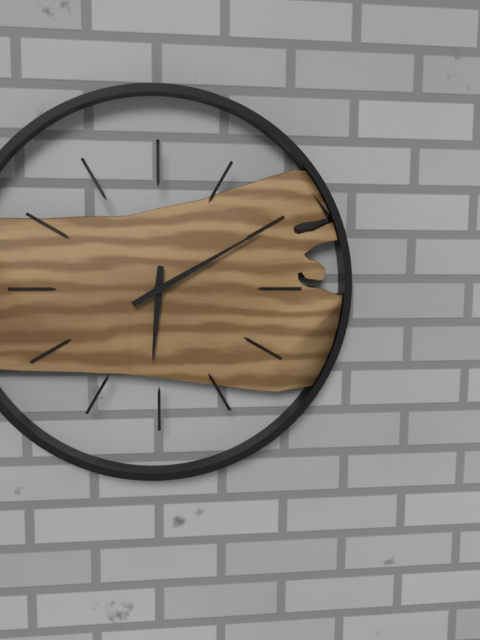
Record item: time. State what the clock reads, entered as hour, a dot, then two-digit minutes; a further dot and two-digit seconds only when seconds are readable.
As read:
6.10
